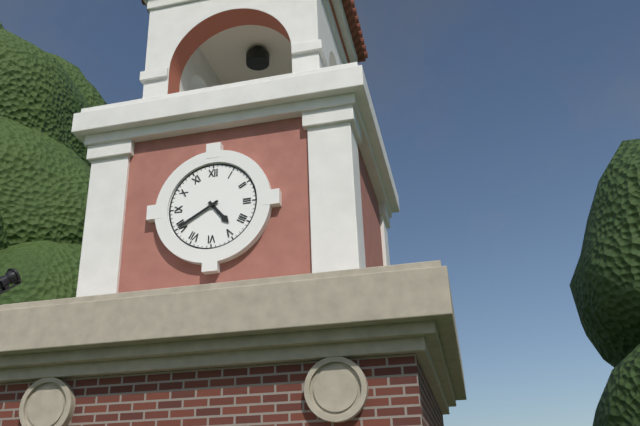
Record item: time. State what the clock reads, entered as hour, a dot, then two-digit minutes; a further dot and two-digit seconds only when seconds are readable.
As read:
4.40
